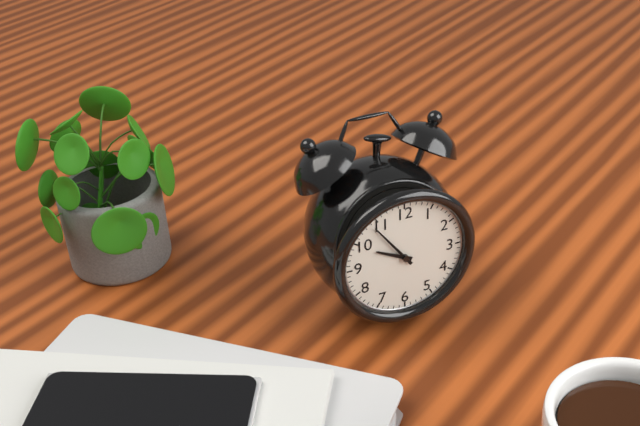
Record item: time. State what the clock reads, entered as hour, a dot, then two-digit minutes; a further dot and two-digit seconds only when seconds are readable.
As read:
9.54
